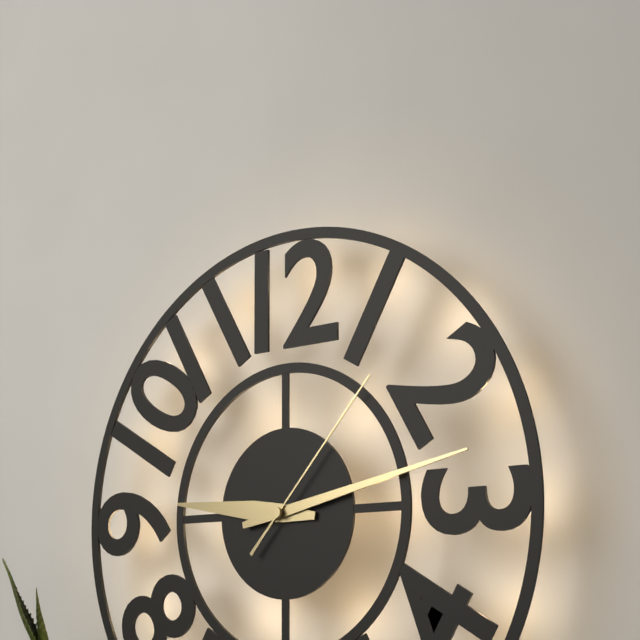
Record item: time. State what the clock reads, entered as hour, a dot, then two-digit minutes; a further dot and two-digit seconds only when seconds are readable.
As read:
9.13.07
